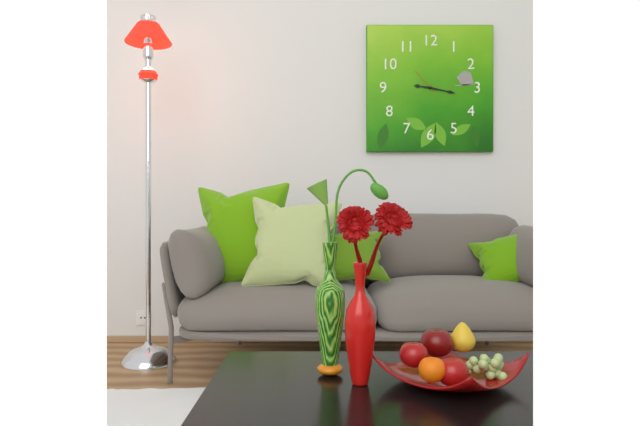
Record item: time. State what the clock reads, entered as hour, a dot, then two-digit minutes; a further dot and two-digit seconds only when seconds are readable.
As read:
9.17
